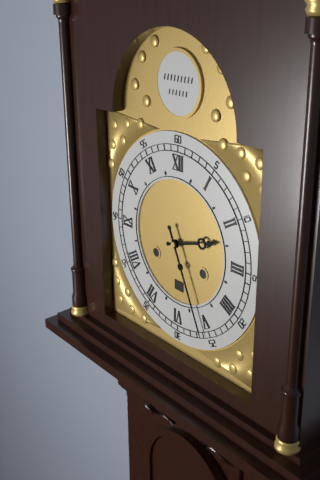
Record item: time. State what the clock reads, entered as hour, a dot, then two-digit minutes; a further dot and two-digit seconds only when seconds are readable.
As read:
2.26
